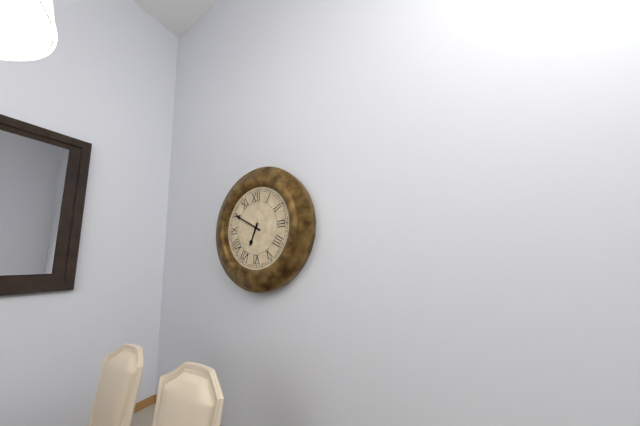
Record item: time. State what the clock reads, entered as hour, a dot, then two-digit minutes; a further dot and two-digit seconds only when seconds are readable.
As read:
6.50
